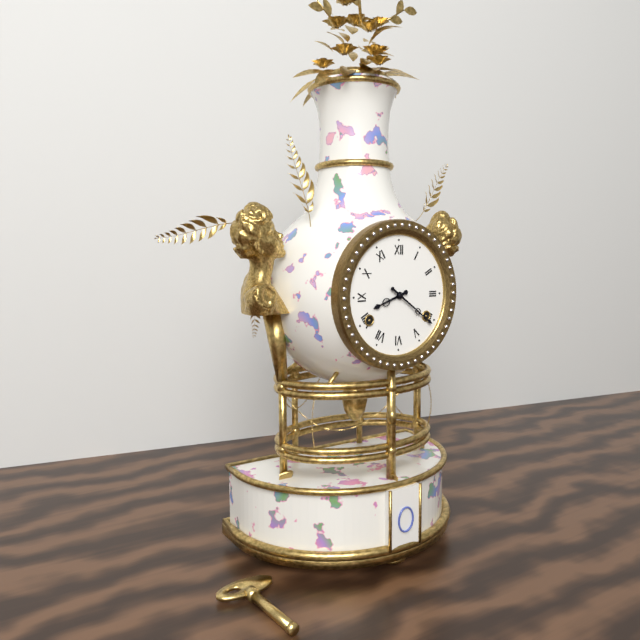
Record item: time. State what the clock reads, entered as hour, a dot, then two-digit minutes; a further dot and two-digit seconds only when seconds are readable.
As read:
8.21
